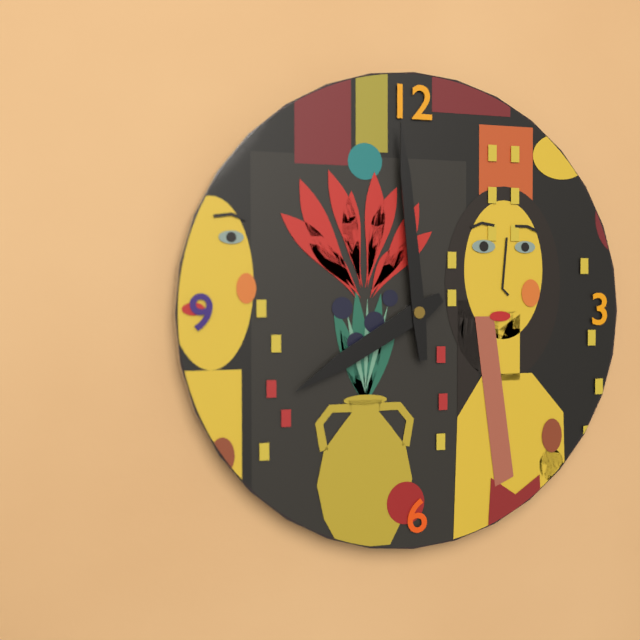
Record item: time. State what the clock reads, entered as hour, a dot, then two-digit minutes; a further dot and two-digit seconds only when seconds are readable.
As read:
7.59
